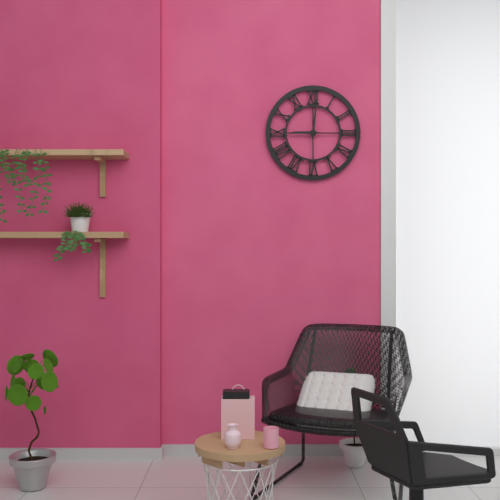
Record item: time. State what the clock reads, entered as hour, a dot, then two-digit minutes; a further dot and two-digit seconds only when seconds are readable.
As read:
9.01
